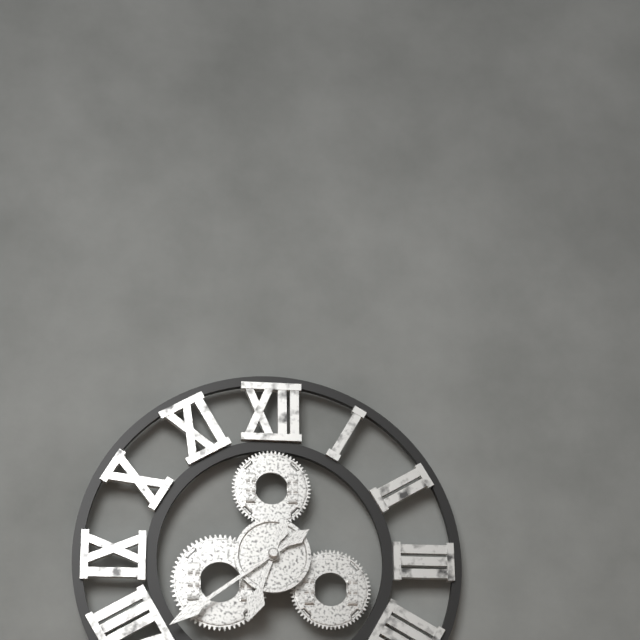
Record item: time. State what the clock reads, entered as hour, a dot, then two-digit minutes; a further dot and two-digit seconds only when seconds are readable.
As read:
6.39
